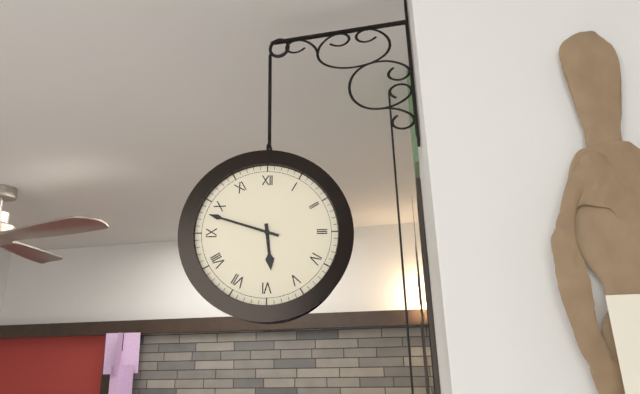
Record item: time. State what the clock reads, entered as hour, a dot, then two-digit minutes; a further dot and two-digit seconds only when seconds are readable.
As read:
5.48
